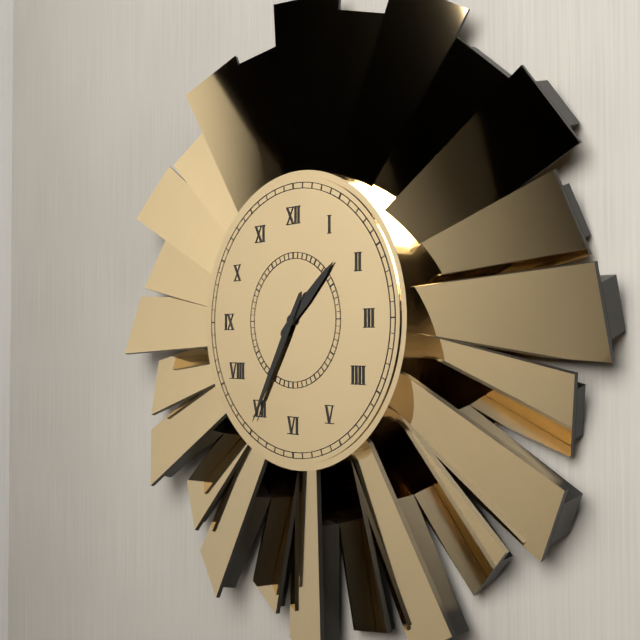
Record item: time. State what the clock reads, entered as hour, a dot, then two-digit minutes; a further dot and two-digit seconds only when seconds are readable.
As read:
1.35
